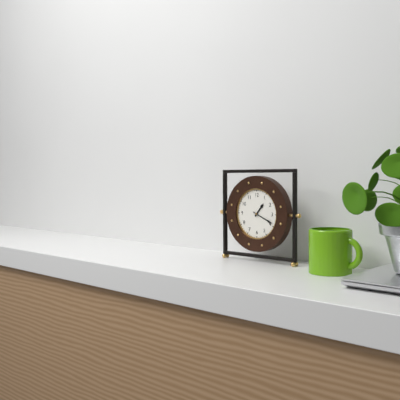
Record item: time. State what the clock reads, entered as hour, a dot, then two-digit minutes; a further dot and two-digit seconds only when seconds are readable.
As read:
1.19
